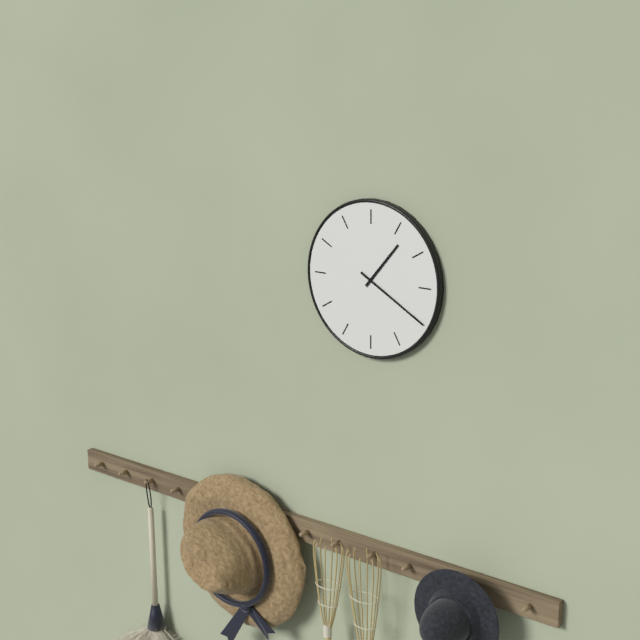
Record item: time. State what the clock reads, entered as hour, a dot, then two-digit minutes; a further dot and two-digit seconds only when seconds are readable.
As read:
1.20
